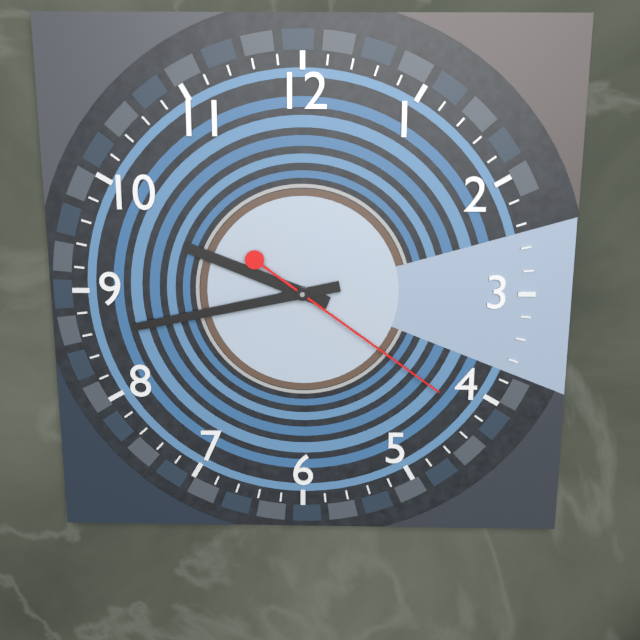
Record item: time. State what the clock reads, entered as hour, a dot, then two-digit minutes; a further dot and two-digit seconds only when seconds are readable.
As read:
9.43.21
